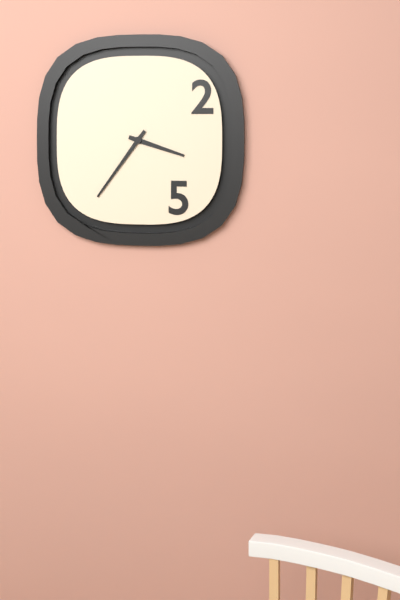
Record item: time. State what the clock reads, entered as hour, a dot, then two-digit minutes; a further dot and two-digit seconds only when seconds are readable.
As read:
3.36
